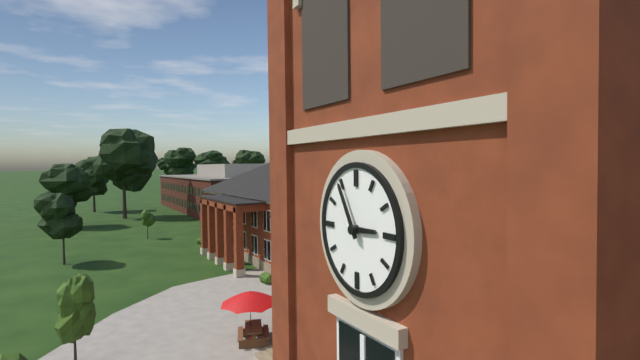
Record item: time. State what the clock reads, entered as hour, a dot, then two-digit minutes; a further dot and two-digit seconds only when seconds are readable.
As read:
2.55
